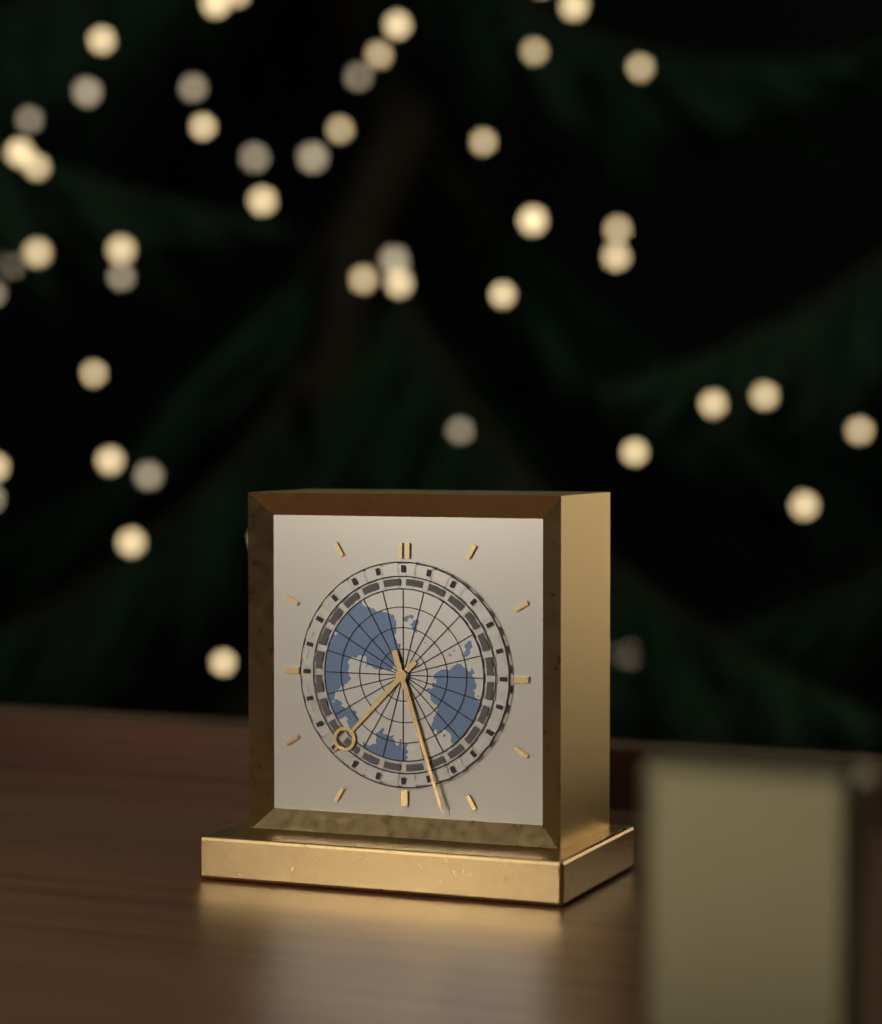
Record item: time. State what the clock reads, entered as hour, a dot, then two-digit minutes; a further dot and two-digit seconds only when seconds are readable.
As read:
7.27
